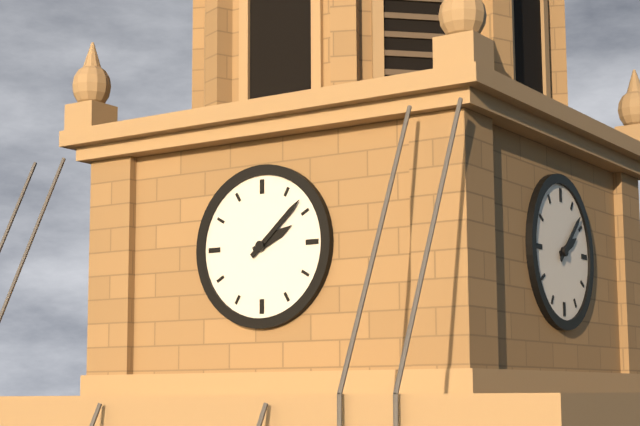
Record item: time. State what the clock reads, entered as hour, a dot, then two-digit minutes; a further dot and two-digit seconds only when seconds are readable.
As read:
2.08
